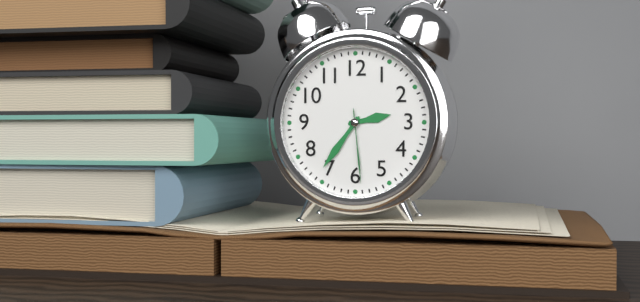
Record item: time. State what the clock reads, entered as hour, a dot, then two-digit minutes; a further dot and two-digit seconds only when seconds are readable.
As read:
2.36.29
